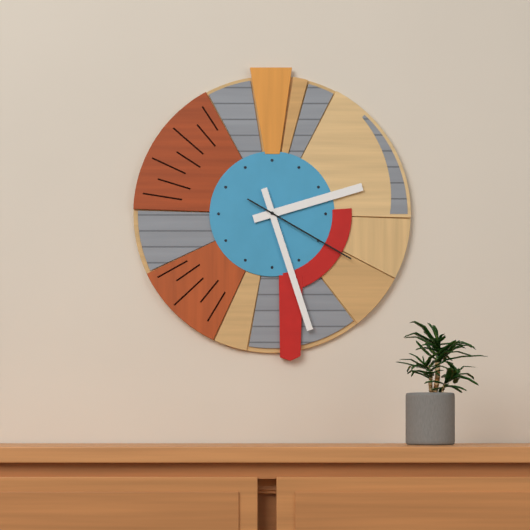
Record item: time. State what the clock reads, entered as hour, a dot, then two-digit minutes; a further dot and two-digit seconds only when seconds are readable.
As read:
2.27.20
